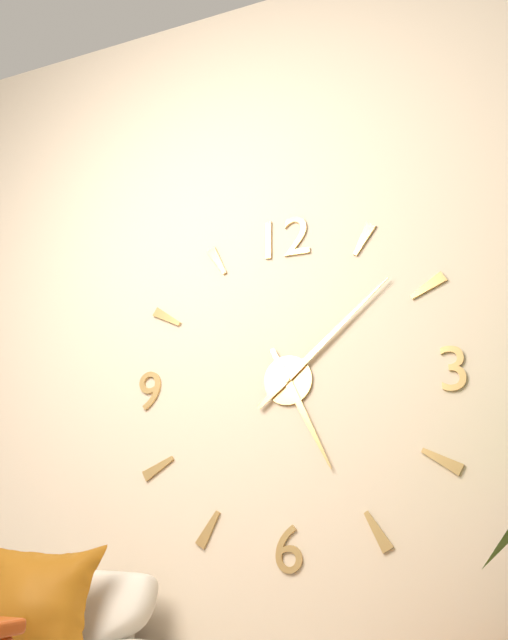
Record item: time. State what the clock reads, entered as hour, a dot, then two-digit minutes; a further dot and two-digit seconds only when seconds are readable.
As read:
5.08
